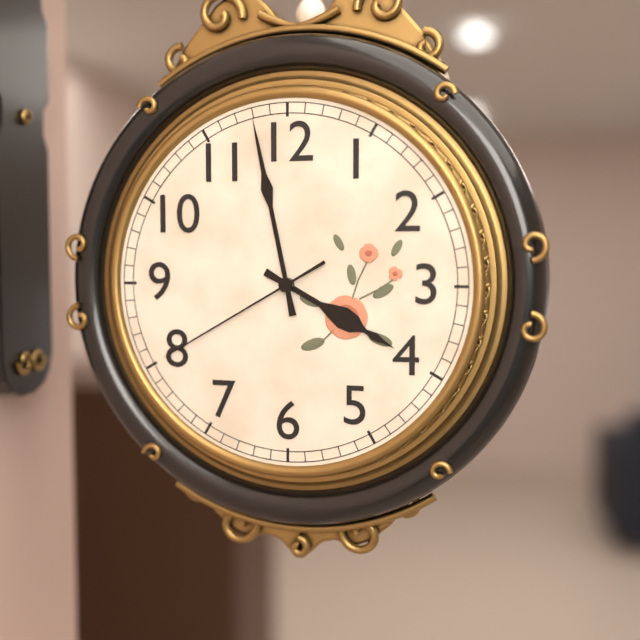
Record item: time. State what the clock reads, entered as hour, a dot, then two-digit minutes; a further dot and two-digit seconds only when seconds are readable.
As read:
3.58.40
